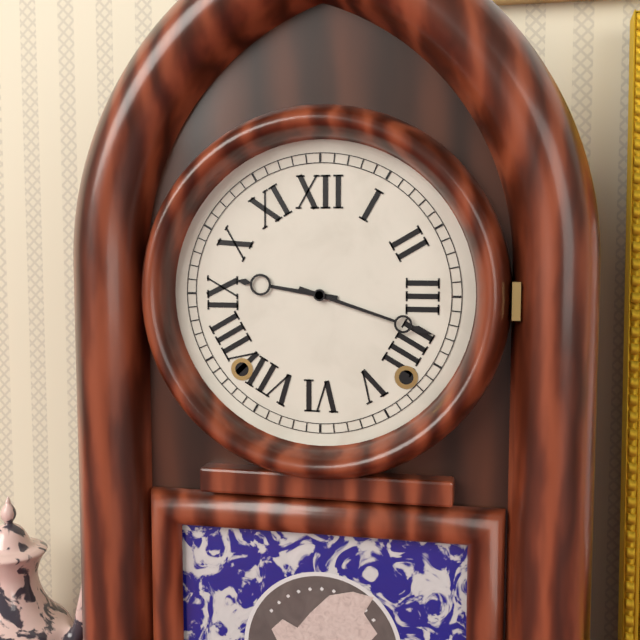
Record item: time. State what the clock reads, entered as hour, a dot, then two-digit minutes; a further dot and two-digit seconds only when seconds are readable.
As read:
9.18
